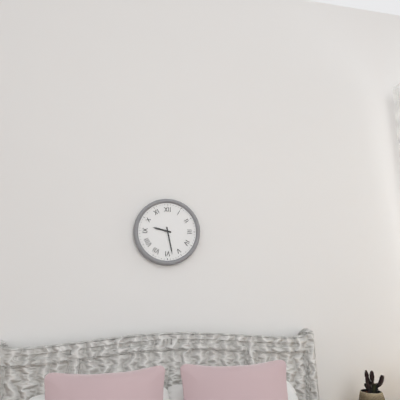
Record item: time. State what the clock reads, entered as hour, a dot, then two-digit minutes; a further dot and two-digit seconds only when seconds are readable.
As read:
9.28
